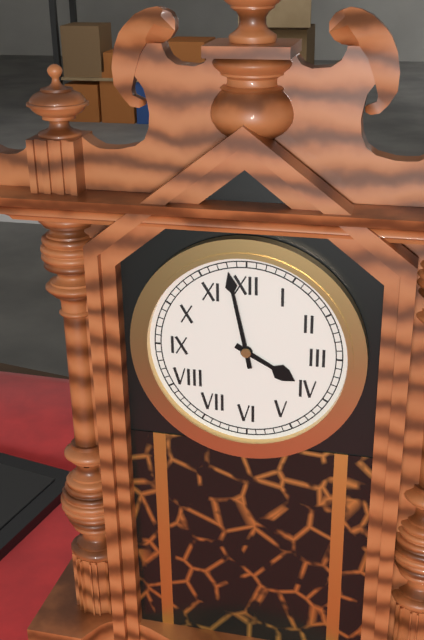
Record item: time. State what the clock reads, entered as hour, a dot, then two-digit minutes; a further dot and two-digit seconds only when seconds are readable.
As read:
3.58
